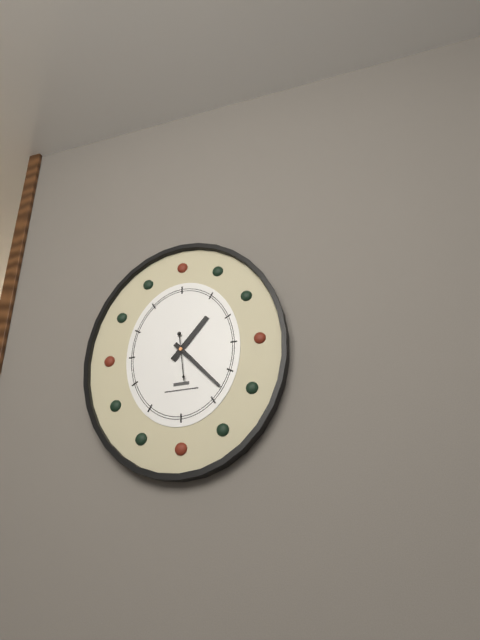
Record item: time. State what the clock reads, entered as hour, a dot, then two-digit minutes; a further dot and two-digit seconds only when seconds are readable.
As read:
1.23
